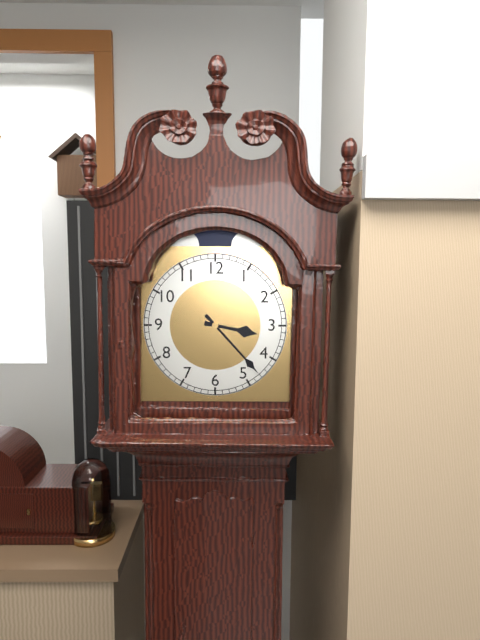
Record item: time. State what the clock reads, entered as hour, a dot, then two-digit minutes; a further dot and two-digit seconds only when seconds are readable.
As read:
3.23
